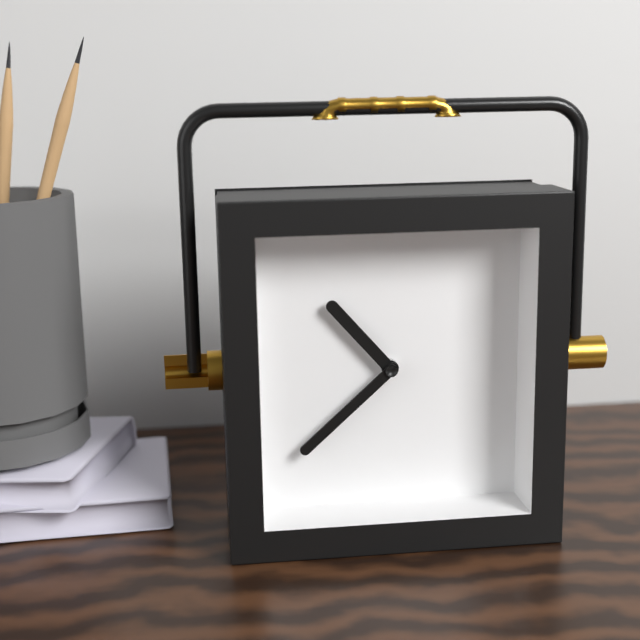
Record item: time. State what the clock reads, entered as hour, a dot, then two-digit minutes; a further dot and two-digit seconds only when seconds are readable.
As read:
10.38
